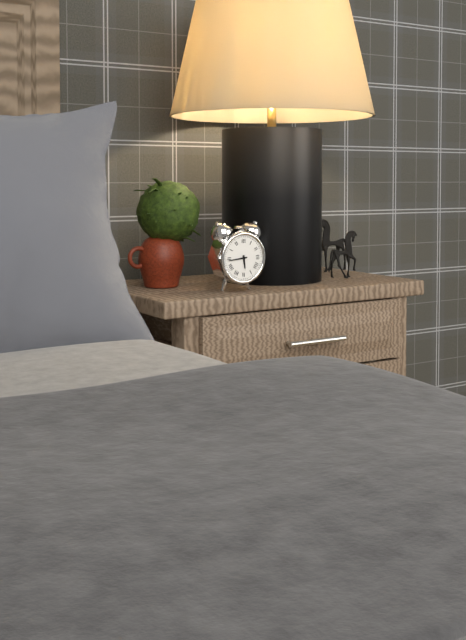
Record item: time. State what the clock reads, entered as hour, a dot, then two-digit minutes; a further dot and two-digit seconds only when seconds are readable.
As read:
5.44
